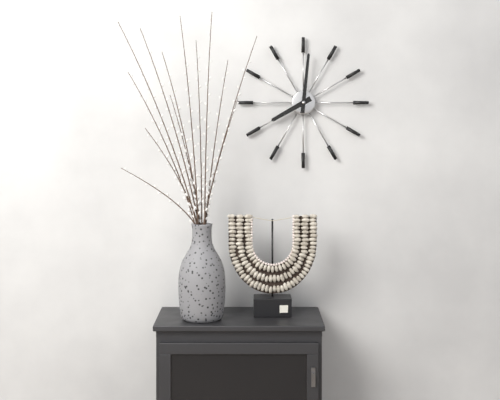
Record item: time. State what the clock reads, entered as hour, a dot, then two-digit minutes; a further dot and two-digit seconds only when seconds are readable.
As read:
8.01
